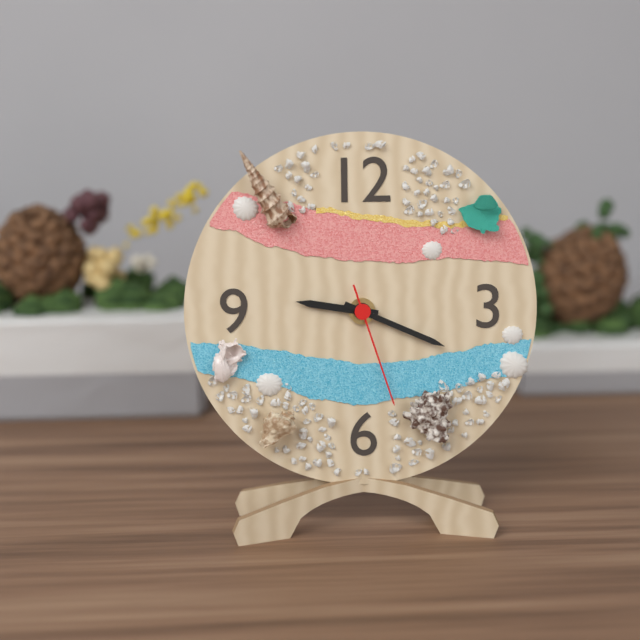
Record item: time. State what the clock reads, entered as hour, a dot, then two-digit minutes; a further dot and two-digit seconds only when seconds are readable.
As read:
9.19.27
